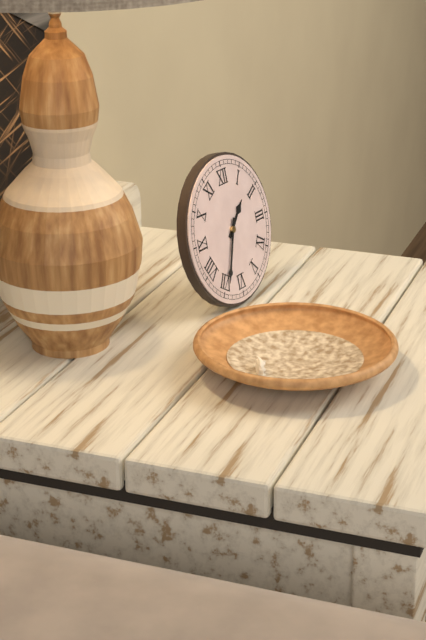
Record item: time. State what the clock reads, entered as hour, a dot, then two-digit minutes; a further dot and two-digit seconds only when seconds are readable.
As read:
1.34
